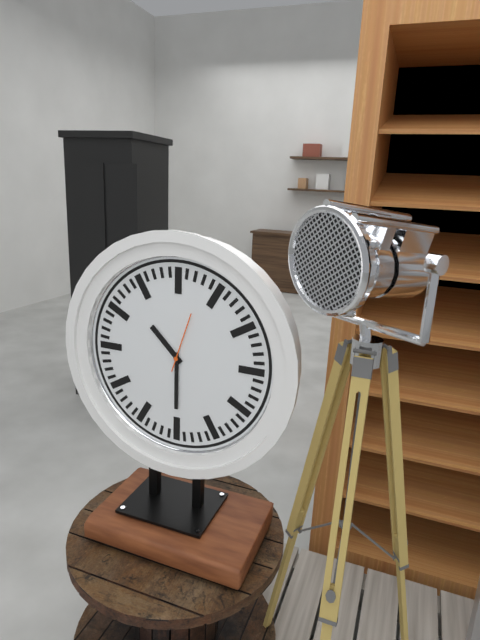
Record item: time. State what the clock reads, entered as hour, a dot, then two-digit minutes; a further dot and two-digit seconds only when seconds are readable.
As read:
10.30.03
